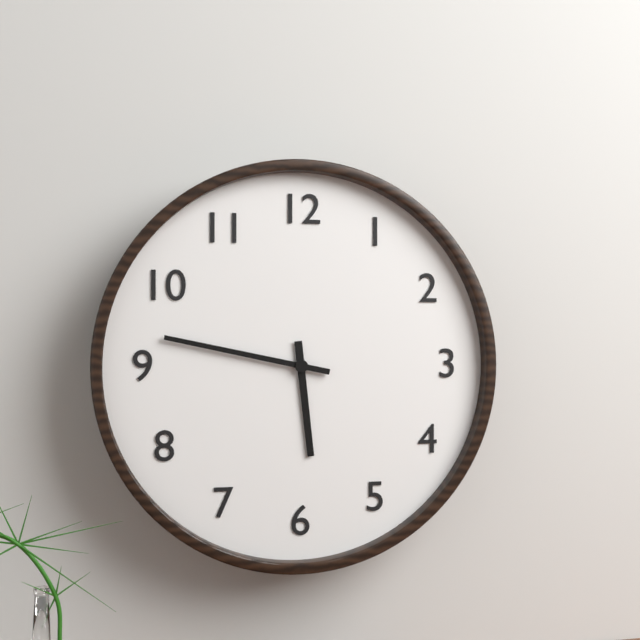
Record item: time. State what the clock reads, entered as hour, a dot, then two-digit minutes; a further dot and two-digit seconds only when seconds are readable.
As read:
5.47
